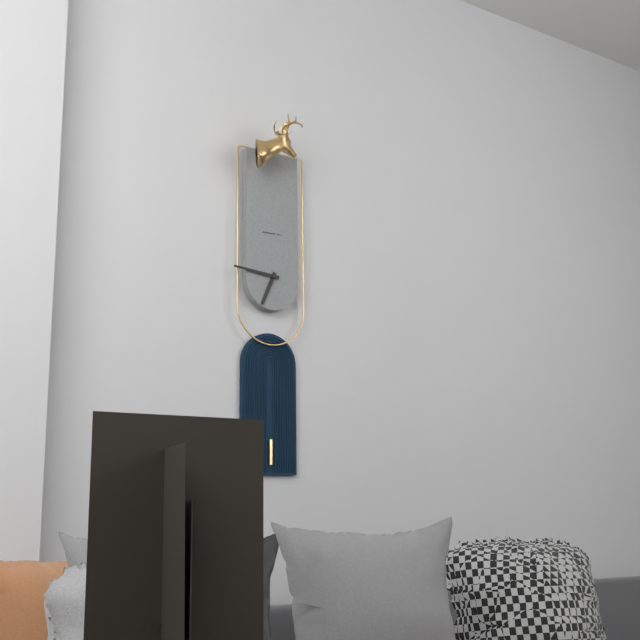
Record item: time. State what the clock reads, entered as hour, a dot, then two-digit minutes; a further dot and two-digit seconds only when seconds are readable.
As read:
6.46
